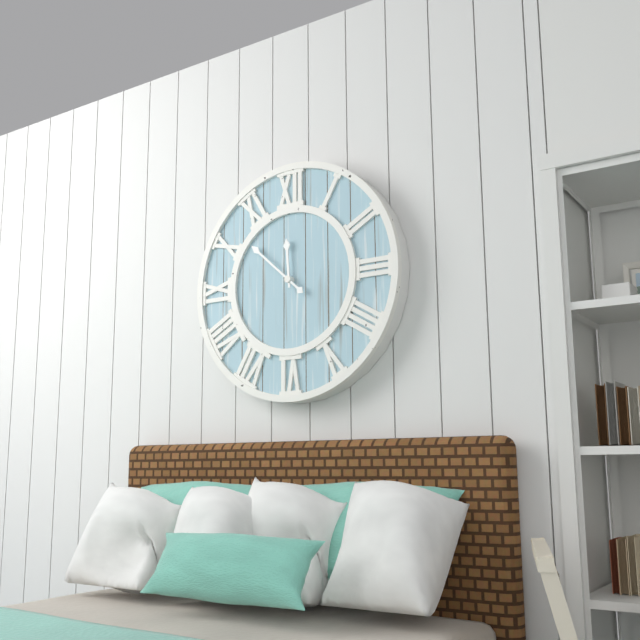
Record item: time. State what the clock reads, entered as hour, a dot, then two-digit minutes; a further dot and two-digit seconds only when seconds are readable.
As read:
11.52
